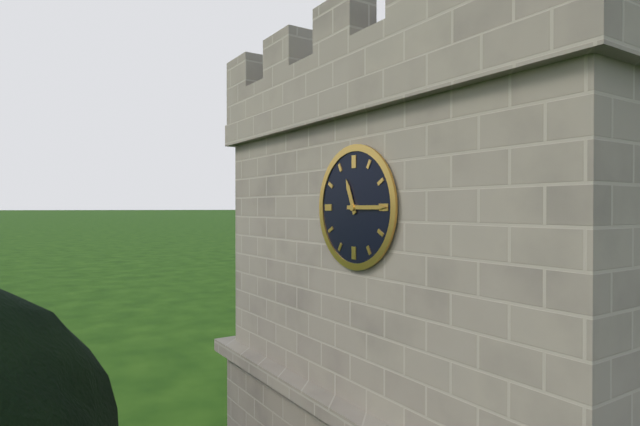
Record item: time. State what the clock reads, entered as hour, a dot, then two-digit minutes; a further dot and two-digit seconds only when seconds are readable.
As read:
11.15
